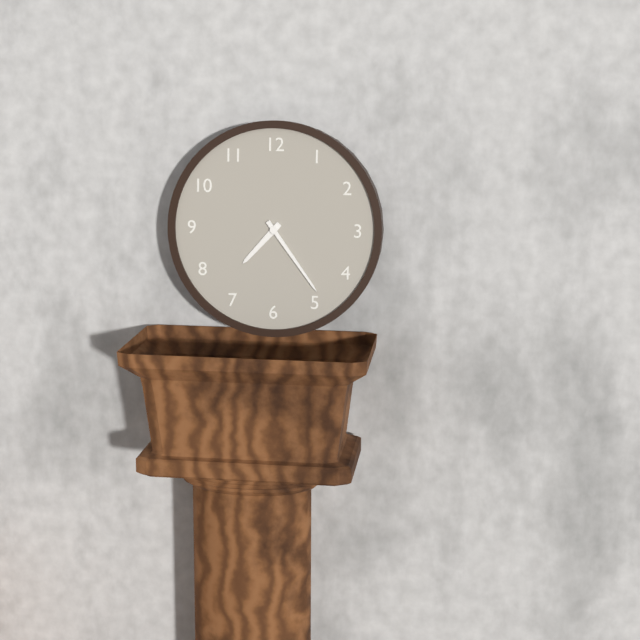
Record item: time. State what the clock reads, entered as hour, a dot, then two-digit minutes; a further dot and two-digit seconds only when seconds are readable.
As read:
7.24
